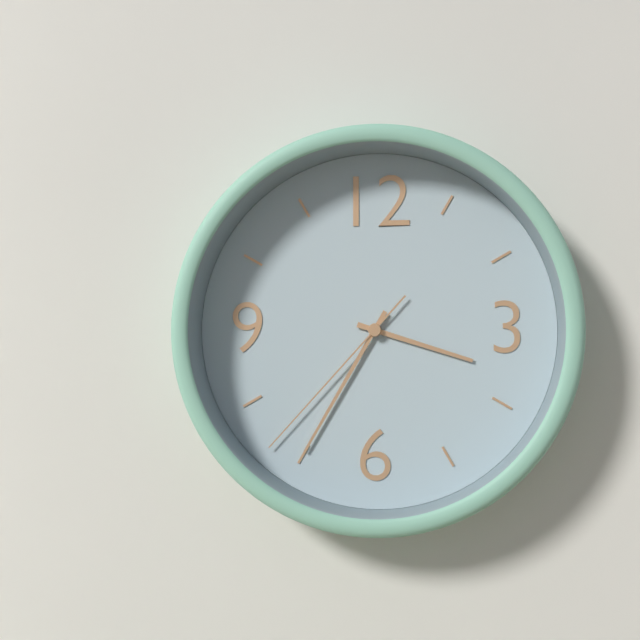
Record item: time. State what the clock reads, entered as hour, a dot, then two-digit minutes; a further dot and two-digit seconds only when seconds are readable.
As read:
3.35.37
